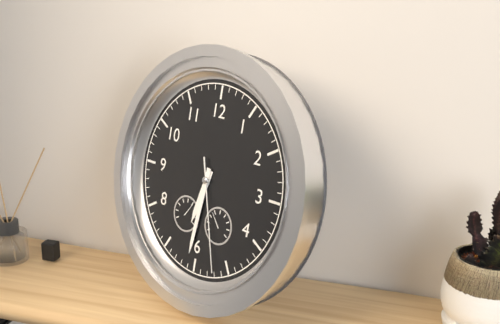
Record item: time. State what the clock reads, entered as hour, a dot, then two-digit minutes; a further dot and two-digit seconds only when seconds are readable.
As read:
6.31.27
